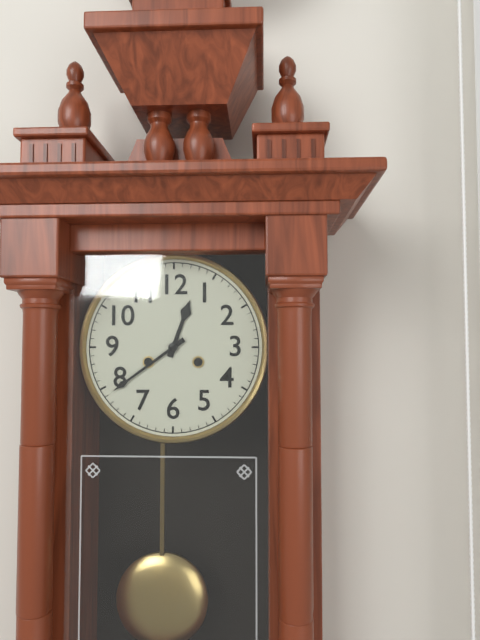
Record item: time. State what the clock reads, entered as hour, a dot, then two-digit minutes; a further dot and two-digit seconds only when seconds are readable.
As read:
12.39
